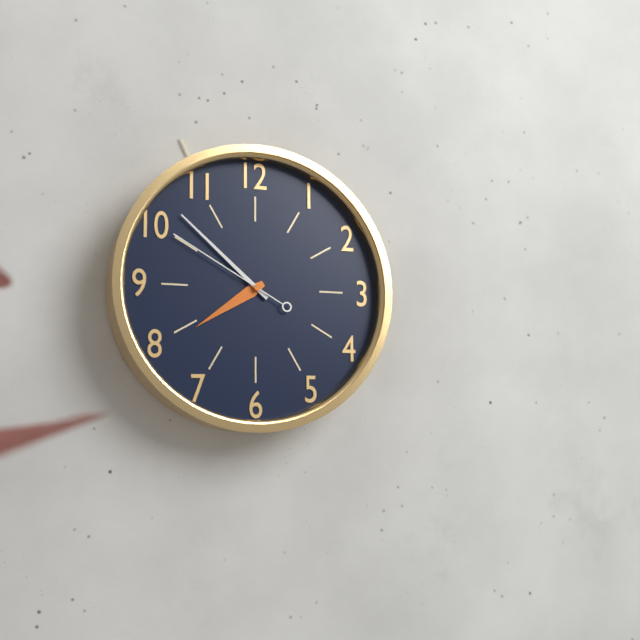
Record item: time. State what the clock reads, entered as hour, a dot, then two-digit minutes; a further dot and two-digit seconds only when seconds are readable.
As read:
7.52.50
